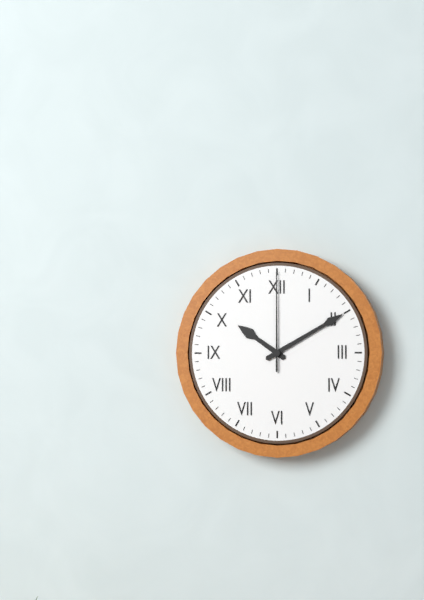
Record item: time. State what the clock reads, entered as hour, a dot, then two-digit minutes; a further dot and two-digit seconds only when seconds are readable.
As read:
10.10.00
